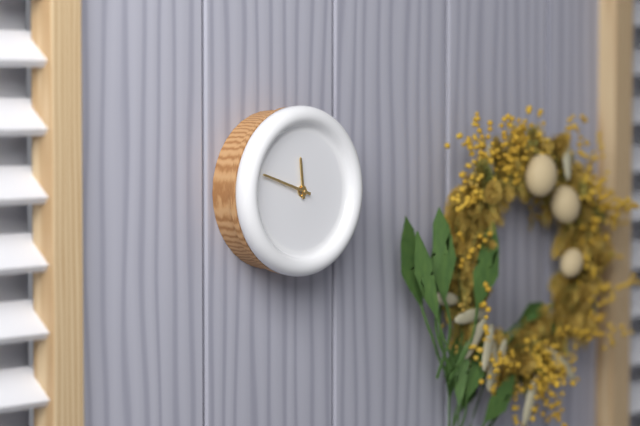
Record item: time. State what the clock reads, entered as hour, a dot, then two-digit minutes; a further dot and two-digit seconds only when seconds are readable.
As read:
11.48
